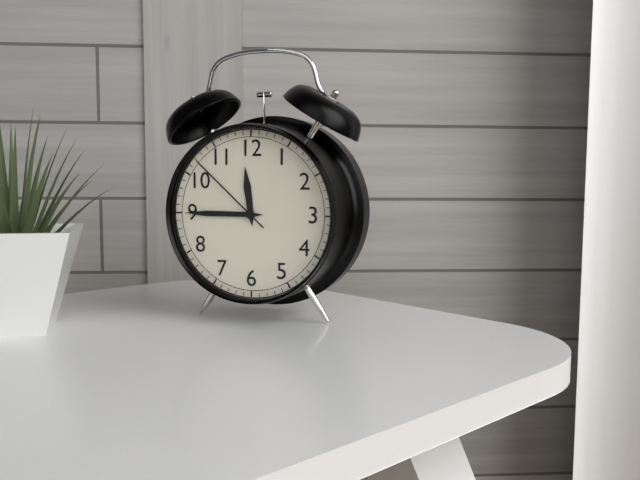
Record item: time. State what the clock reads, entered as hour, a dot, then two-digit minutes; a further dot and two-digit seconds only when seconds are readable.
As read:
11.45.52
